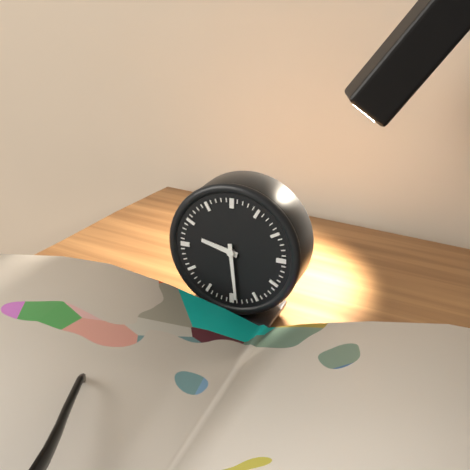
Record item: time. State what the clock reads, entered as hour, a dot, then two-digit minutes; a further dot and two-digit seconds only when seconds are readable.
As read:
9.29
